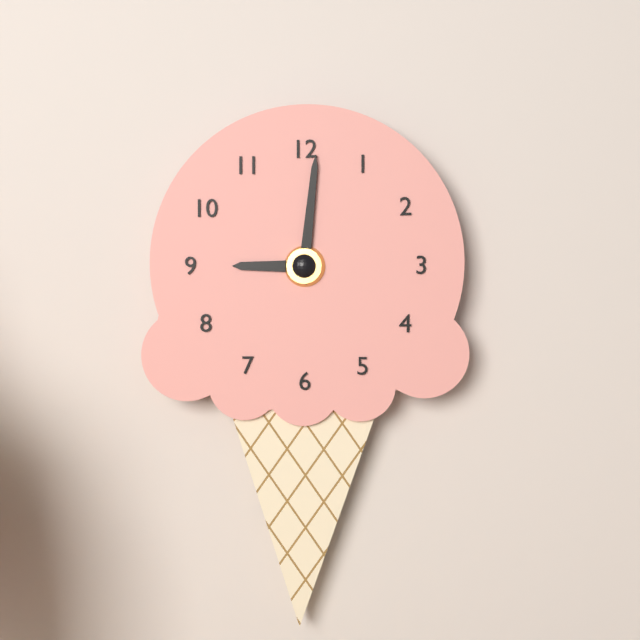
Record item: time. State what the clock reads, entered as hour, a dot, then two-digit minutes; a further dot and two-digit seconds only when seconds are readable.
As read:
9.01
